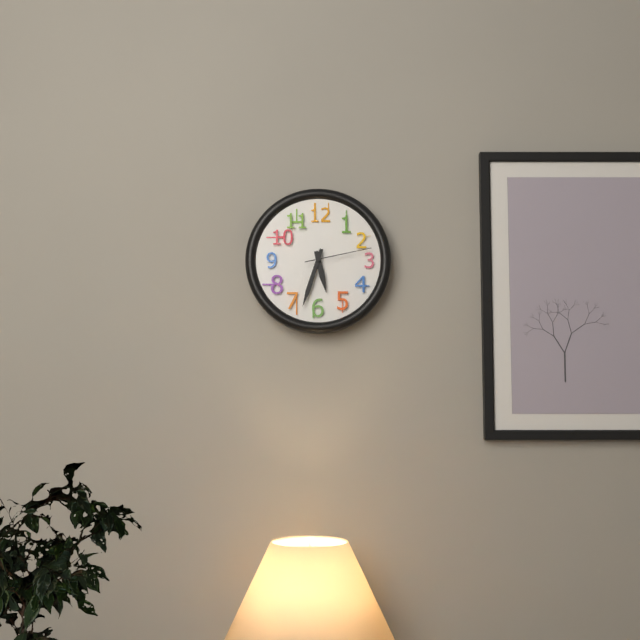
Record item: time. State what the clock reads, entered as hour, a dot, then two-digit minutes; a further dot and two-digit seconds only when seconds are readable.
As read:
5.33.13
